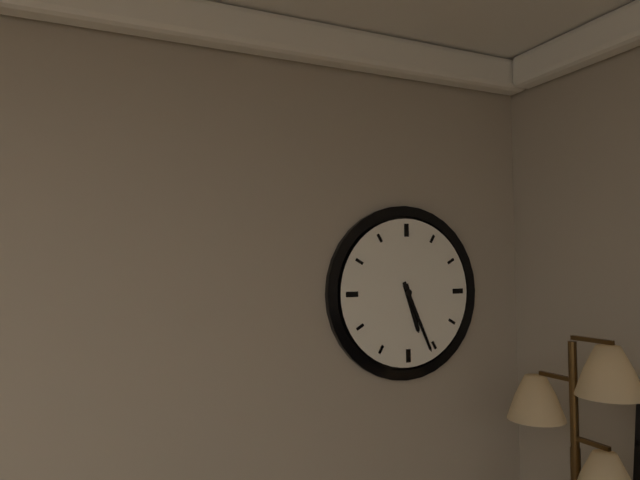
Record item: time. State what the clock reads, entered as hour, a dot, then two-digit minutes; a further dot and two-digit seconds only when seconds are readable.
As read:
5.26
